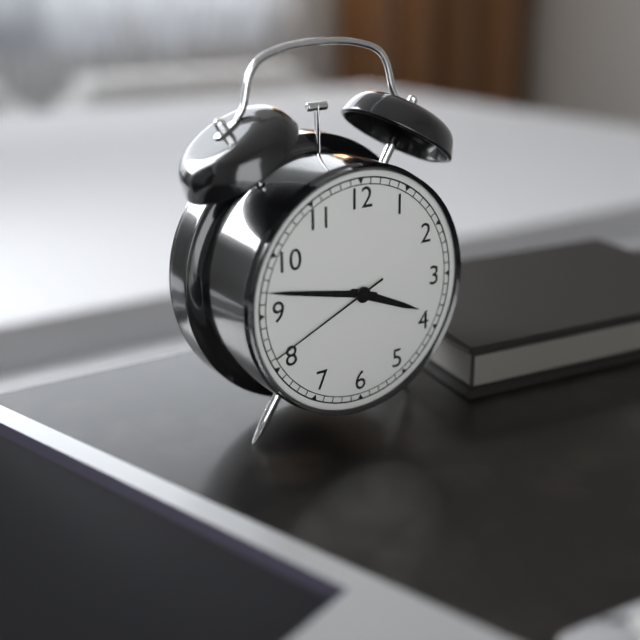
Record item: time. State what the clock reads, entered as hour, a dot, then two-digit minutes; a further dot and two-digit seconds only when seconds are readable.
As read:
3.47.41
